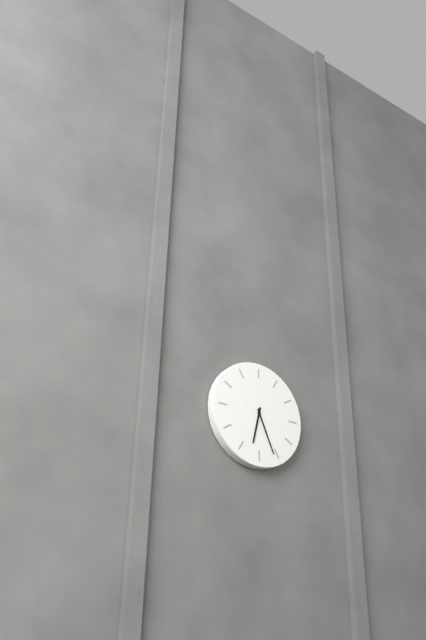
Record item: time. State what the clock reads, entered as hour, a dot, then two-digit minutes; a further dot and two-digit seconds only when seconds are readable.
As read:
6.26
